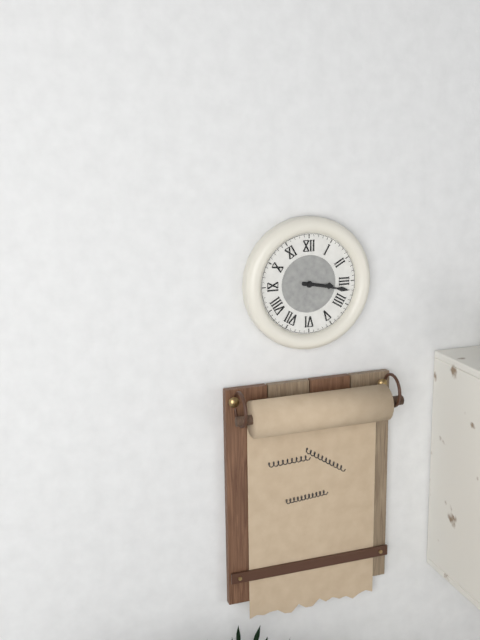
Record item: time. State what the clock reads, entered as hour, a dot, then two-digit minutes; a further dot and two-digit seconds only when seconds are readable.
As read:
3.17
